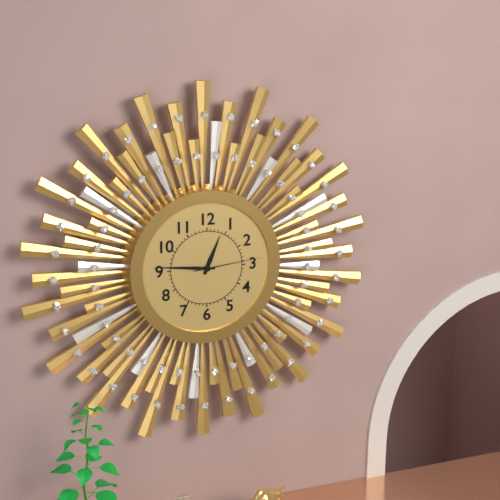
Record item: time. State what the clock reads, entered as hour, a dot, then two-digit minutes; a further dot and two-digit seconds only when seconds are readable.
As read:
12.46.14
